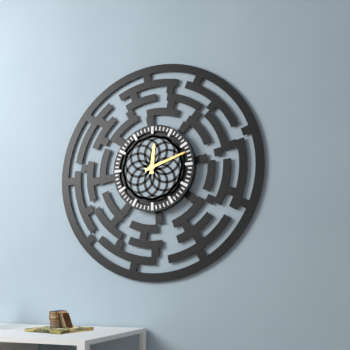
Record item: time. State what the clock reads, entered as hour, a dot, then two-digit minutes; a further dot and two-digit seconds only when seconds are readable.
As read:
12.12
